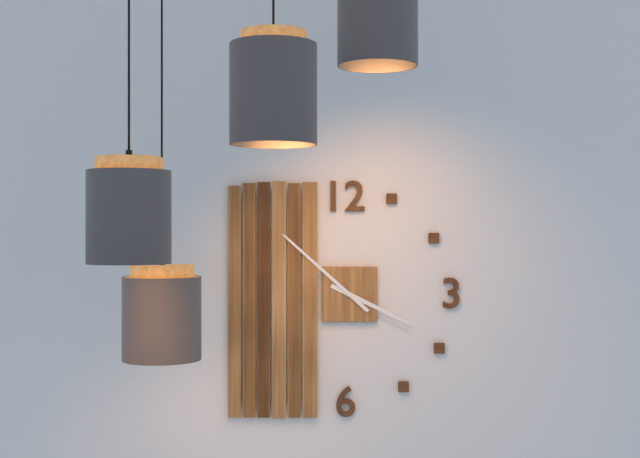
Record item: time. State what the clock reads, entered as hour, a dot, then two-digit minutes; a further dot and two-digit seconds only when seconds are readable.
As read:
3.52
